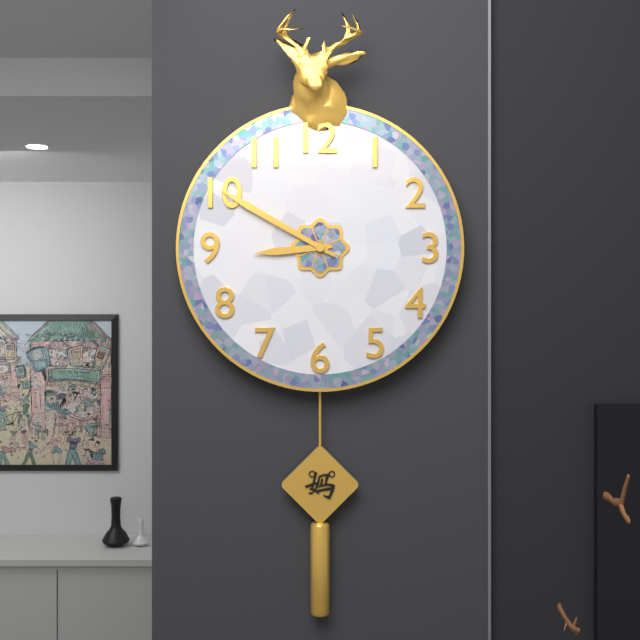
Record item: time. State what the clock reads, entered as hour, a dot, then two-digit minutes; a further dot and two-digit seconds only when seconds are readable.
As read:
8.50
